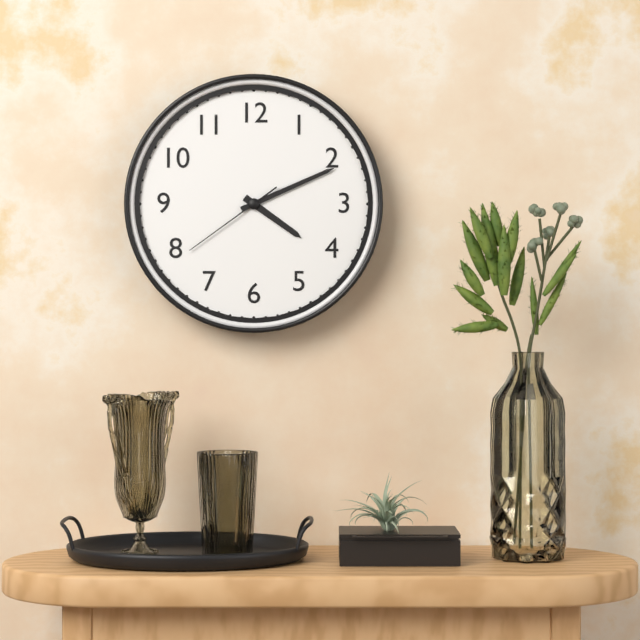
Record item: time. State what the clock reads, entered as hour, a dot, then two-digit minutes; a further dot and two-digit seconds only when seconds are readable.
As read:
4.11.39
